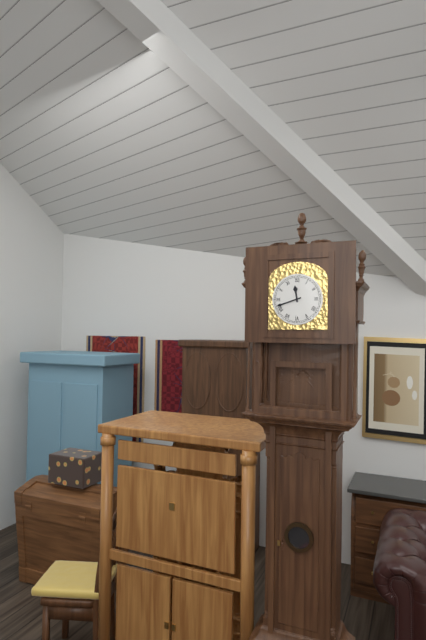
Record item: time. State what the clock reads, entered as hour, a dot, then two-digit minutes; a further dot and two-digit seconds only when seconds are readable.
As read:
11.42
